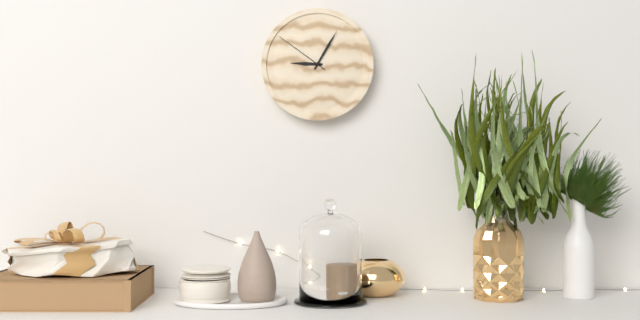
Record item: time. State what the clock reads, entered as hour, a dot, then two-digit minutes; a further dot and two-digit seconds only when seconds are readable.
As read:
9.05.51
